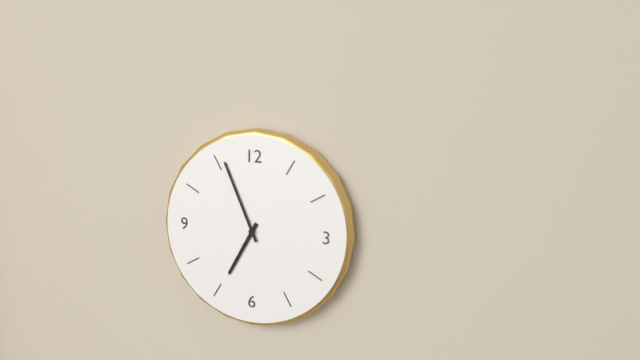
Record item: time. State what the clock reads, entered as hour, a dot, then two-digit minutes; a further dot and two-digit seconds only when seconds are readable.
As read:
6.56
